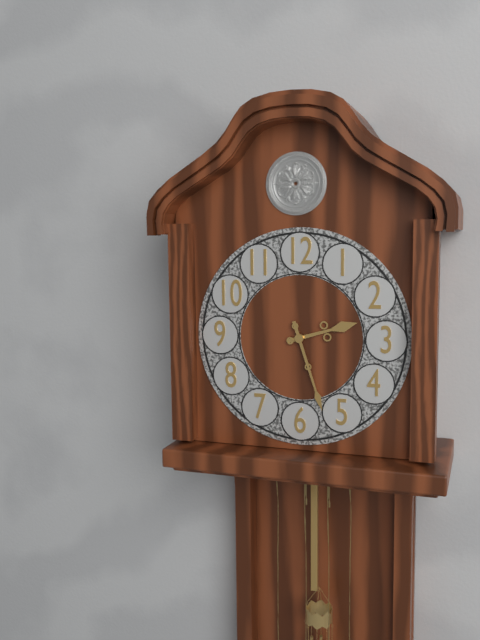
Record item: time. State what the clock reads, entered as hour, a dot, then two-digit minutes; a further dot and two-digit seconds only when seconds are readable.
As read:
2.27
